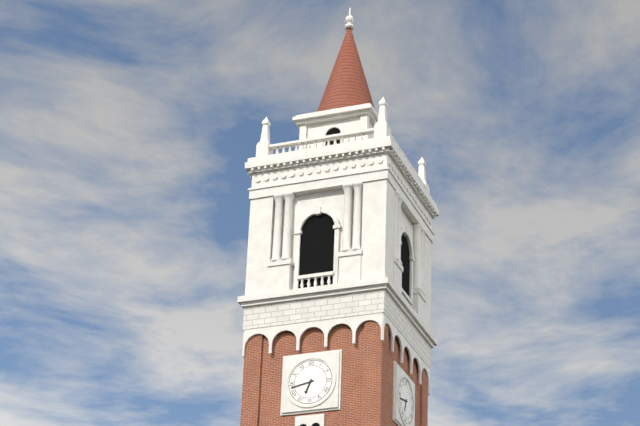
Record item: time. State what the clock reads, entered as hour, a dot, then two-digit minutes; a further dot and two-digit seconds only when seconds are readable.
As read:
6.43
